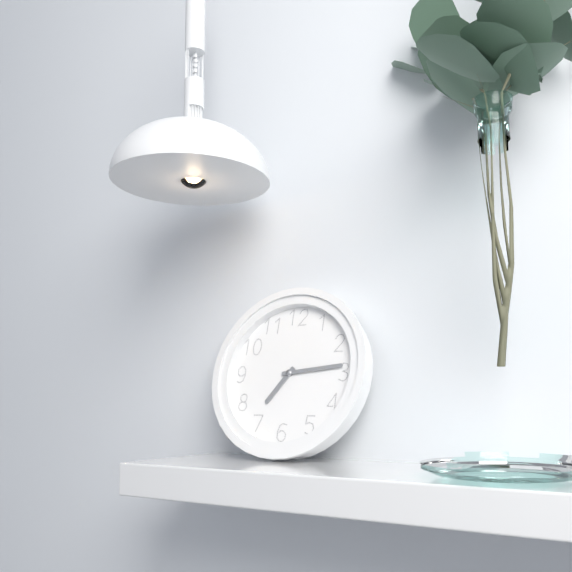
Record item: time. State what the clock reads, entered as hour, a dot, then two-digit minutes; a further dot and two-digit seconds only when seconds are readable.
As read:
7.14
